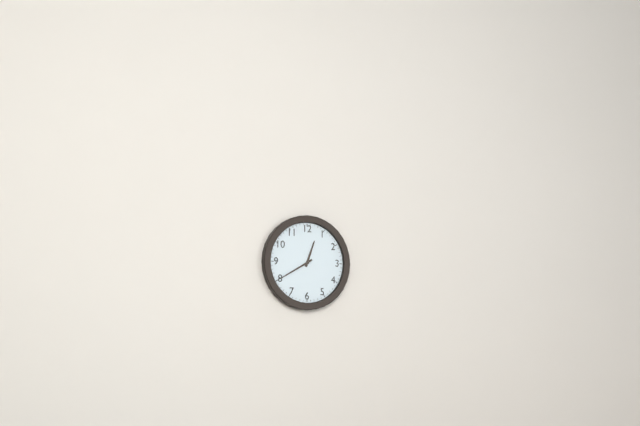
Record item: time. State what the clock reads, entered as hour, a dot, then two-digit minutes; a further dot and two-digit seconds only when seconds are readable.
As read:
12.40
